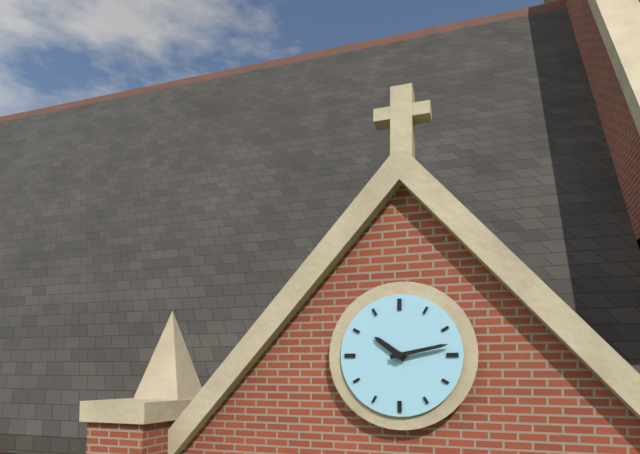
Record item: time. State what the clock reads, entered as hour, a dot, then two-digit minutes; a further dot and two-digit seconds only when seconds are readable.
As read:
10.13
